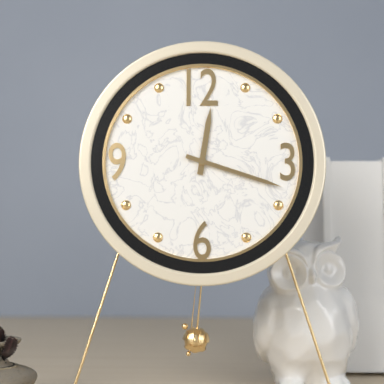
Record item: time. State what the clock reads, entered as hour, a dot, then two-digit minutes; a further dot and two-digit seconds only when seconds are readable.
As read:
12.18
